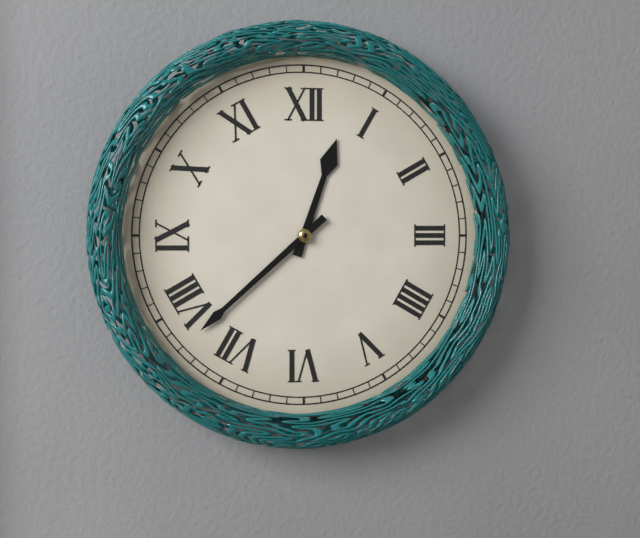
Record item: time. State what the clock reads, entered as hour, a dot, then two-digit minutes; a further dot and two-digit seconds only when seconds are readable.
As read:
12.38
